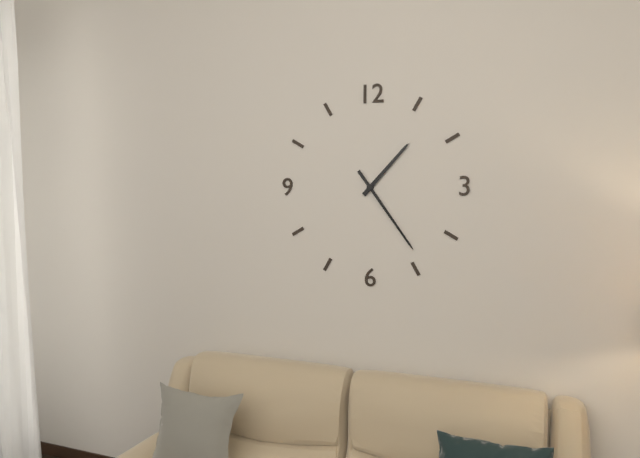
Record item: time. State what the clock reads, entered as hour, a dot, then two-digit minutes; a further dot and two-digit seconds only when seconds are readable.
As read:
1.24
